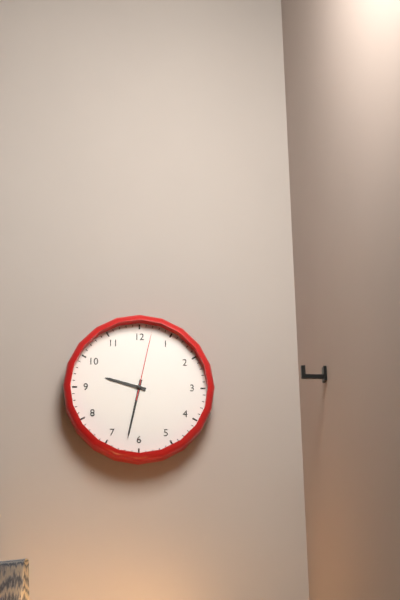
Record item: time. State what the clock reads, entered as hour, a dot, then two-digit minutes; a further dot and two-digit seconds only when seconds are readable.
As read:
9.32.02
